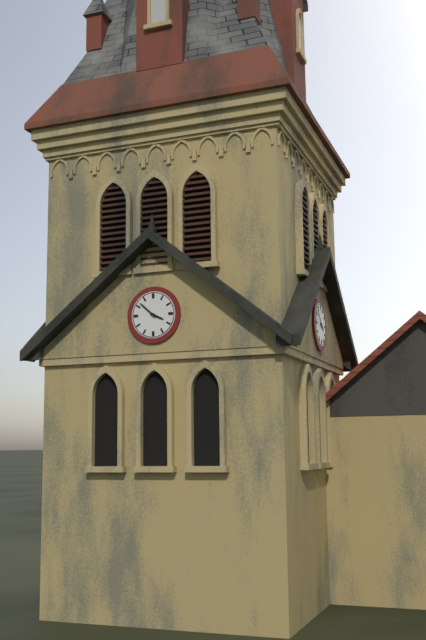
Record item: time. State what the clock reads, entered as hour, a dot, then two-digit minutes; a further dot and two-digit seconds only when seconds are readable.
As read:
3.52
